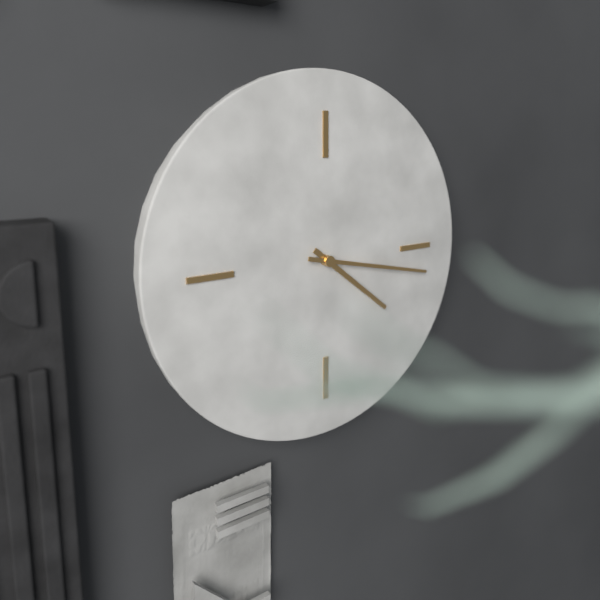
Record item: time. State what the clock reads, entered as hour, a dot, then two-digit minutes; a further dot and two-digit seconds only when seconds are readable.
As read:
4.17
